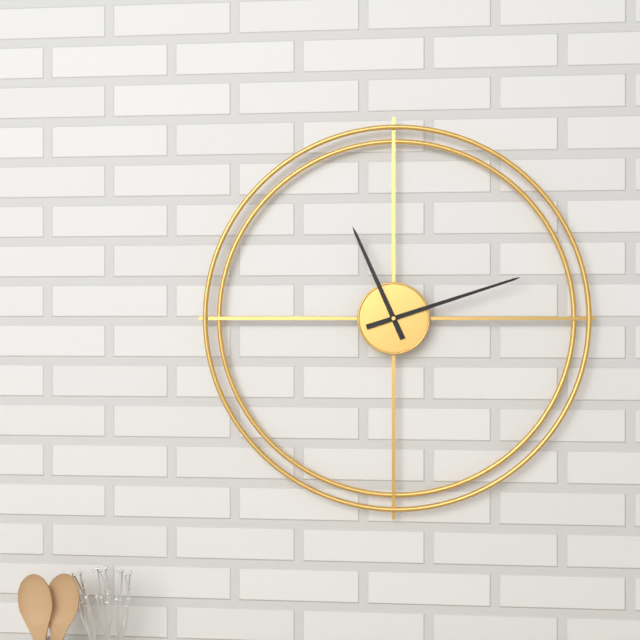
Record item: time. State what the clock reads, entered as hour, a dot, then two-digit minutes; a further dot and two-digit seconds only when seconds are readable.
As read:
11.12
